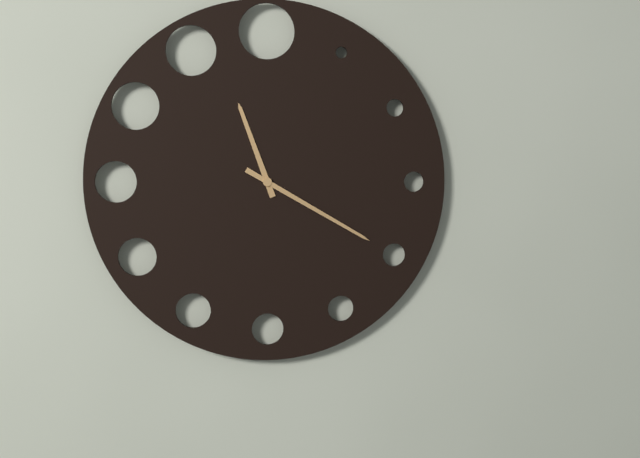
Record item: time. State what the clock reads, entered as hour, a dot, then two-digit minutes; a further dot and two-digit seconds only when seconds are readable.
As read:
11.20
